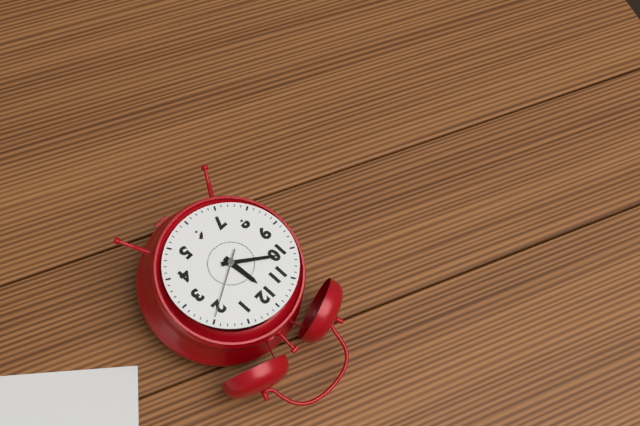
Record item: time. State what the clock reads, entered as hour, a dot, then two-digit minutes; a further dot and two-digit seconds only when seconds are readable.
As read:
11.51.10
